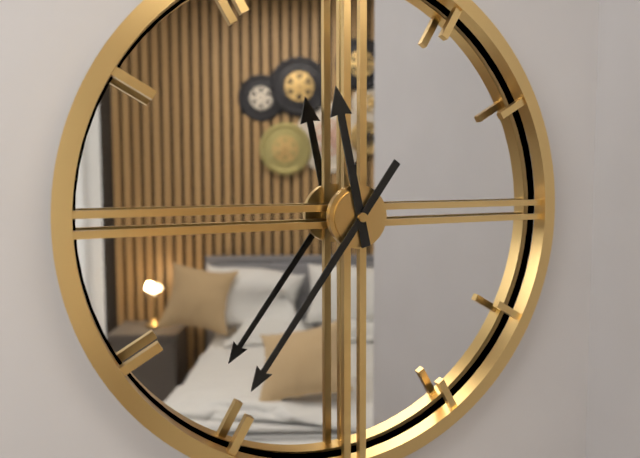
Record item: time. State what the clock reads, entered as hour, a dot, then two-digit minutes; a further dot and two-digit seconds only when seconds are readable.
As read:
11.36
